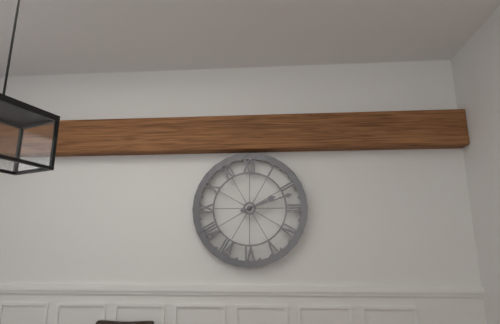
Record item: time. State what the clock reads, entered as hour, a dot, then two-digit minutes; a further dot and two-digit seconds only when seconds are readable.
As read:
2.12
